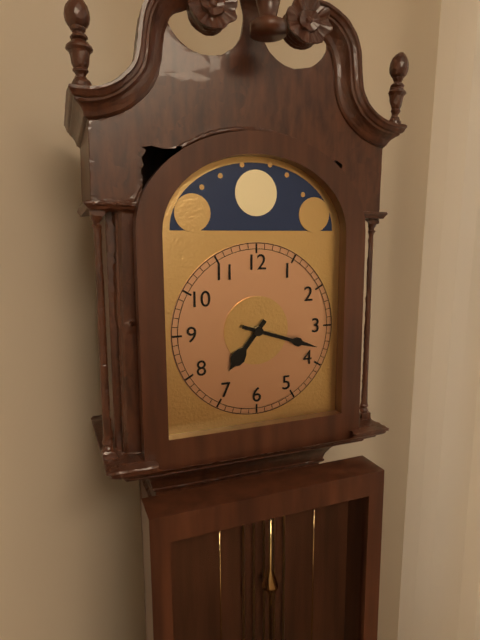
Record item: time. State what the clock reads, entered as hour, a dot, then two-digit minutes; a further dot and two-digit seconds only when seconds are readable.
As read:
7.18
